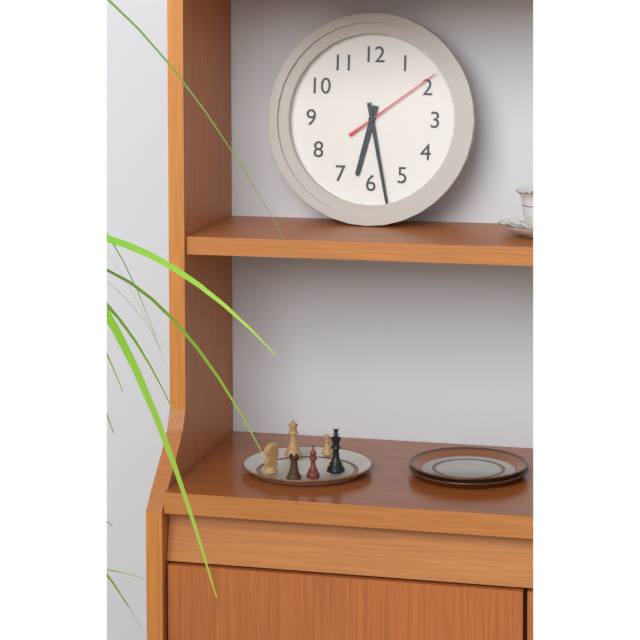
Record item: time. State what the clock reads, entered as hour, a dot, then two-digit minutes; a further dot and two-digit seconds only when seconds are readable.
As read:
6.28.09
